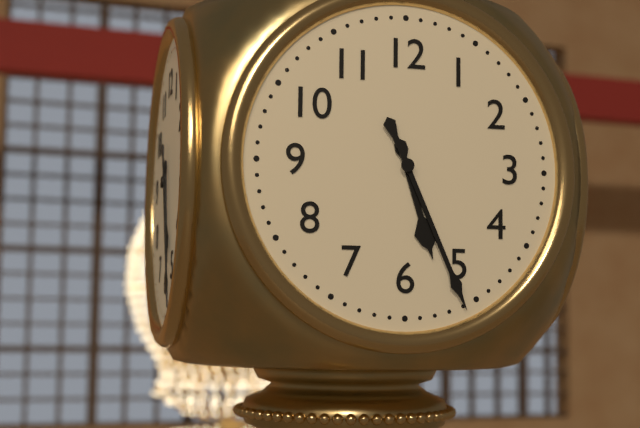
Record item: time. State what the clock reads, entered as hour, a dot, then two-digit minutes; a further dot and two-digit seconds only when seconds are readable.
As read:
5.26
